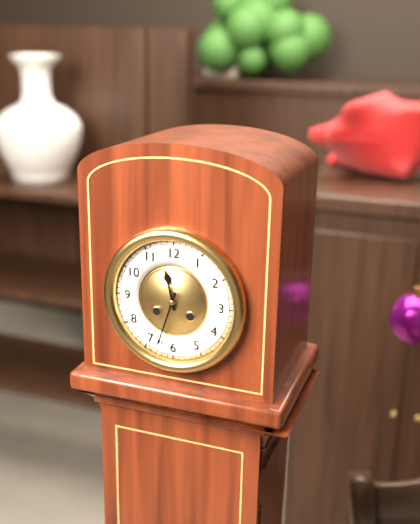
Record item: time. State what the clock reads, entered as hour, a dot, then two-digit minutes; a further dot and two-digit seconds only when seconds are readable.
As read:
11.33
